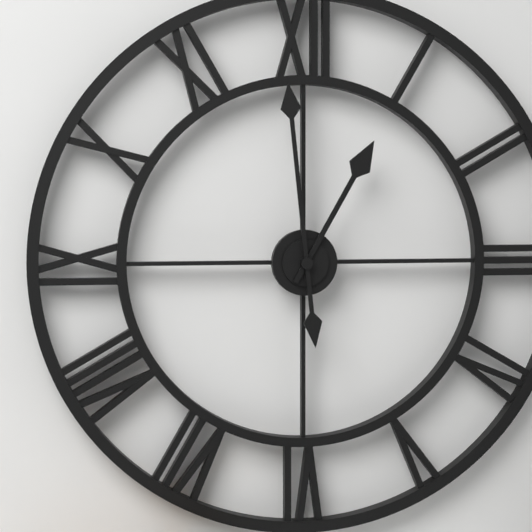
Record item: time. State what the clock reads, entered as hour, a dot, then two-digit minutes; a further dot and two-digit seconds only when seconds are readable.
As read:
12.59
